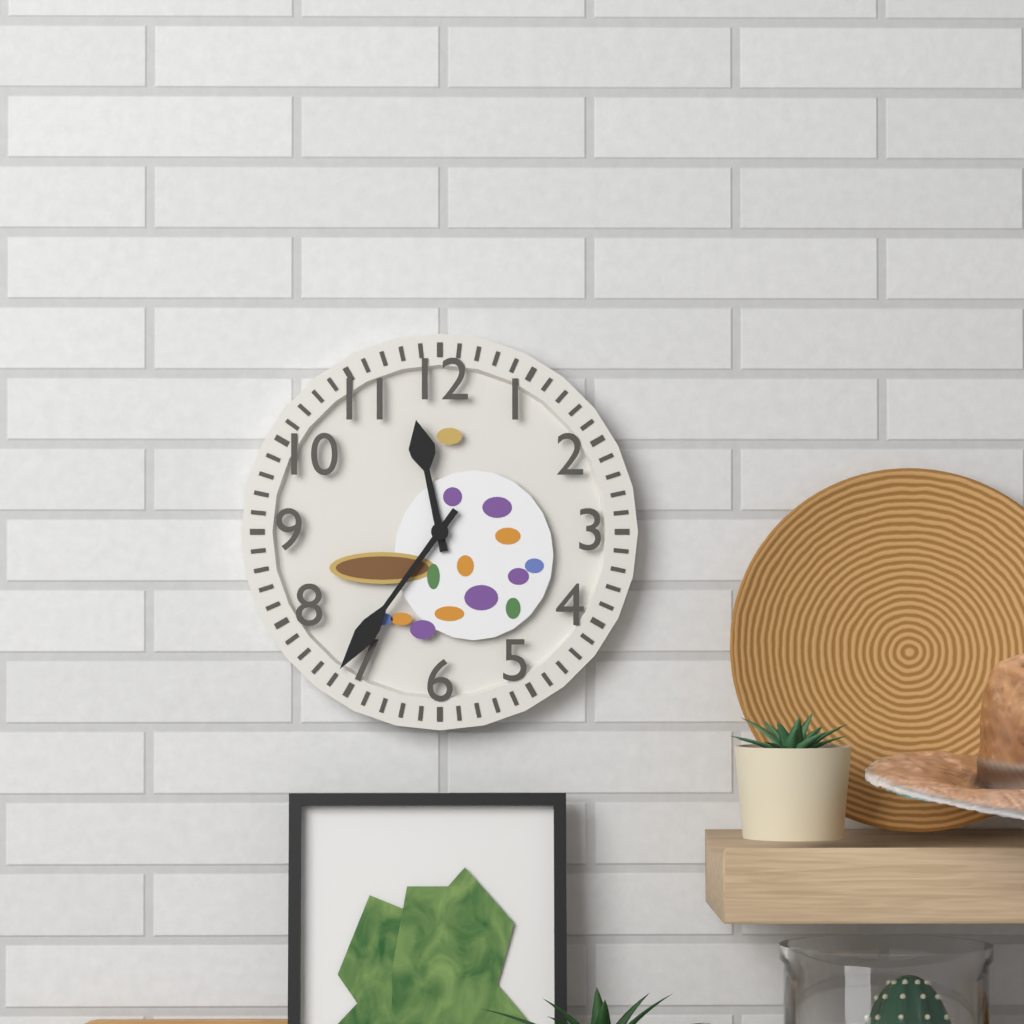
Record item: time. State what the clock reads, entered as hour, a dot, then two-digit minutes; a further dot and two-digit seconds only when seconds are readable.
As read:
11.36
